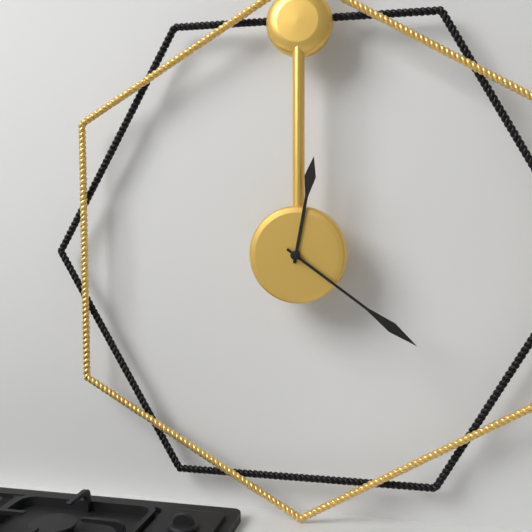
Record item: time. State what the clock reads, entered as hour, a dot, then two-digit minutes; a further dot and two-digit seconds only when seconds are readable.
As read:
12.21
